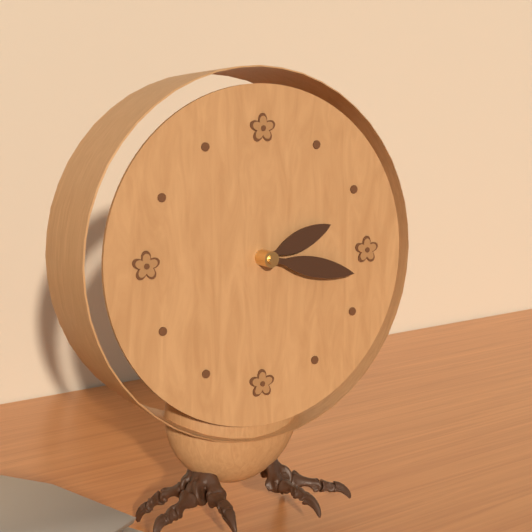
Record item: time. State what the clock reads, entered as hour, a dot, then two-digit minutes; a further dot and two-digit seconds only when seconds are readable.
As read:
2.17
